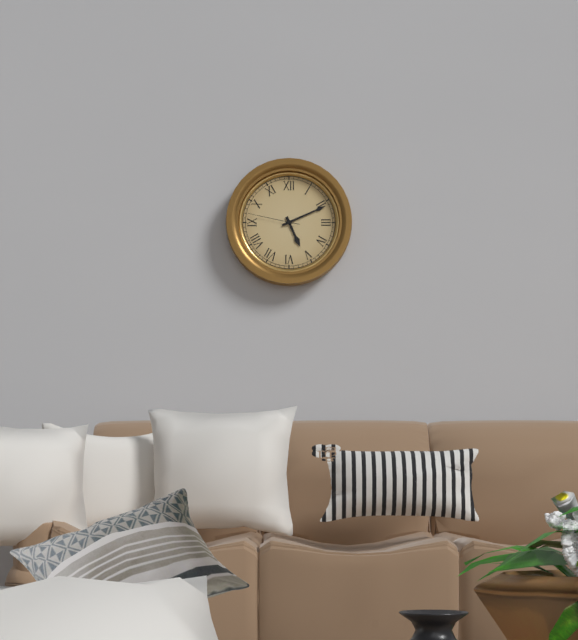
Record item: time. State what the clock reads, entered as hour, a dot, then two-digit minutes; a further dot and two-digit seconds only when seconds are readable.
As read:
5.11.47
